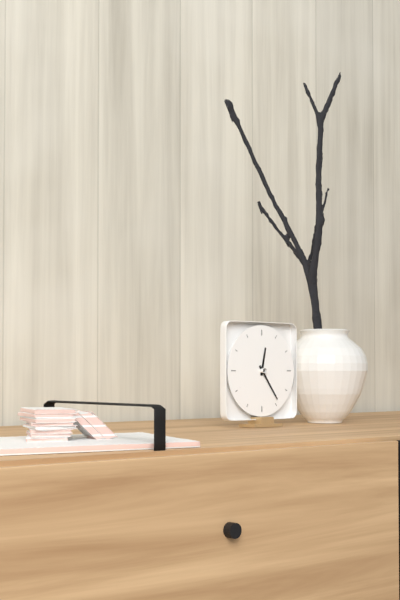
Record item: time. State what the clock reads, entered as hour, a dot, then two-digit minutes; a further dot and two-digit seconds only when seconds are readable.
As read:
12.24
